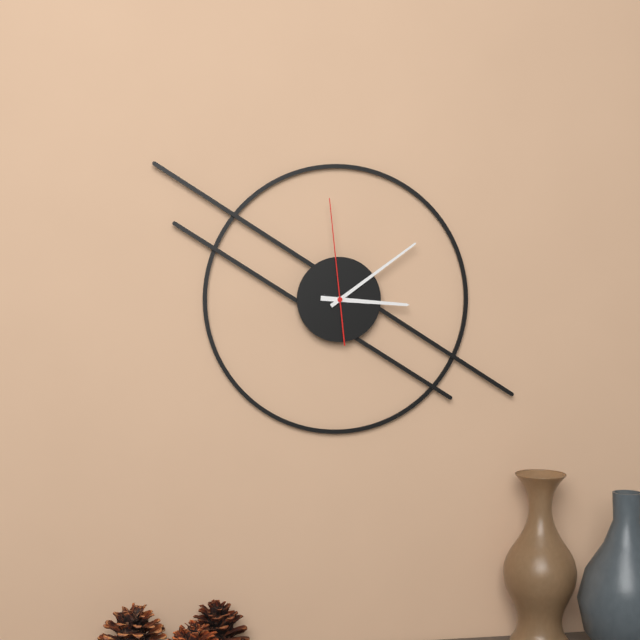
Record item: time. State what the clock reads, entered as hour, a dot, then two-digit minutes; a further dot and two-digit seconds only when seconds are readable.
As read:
3.09.59
